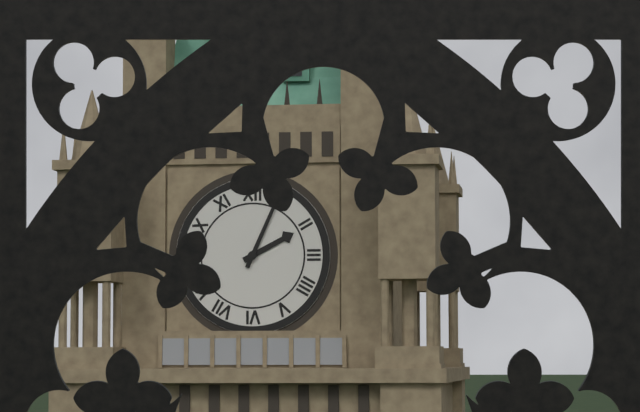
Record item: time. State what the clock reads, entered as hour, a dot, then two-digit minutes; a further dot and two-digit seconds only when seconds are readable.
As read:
2.04
